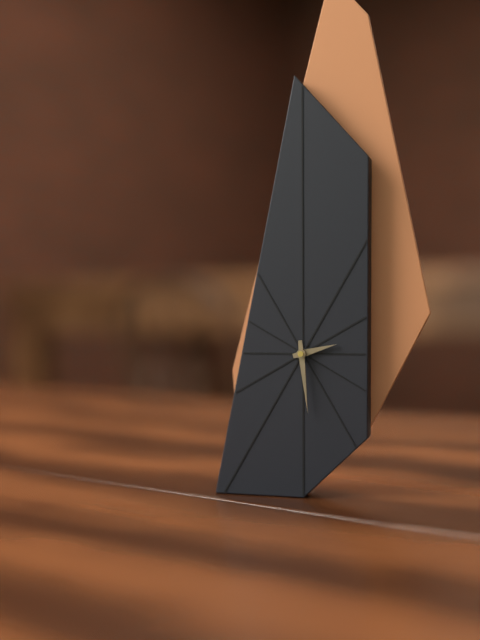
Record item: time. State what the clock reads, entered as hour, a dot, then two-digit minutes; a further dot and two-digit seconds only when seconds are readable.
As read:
2.29
